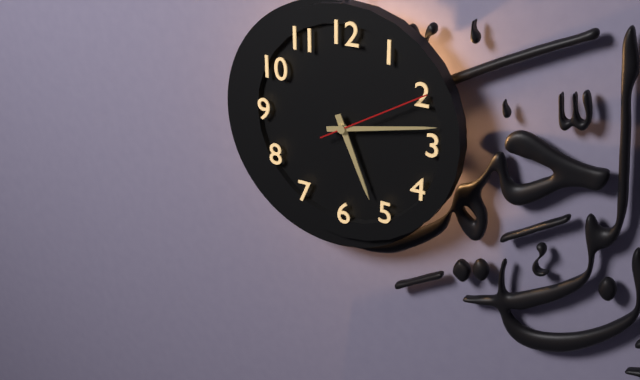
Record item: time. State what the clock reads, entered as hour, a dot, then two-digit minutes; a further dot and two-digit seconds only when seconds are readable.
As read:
5.13.10
